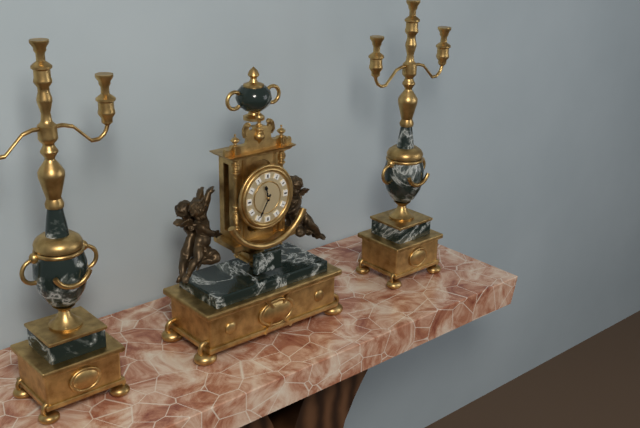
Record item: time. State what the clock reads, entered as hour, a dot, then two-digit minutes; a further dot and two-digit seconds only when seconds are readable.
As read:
11.35
